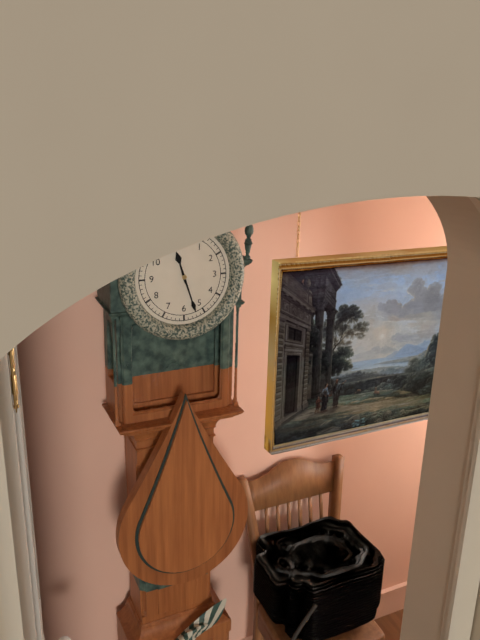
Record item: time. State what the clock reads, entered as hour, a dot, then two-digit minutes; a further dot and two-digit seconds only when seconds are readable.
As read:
11.27
